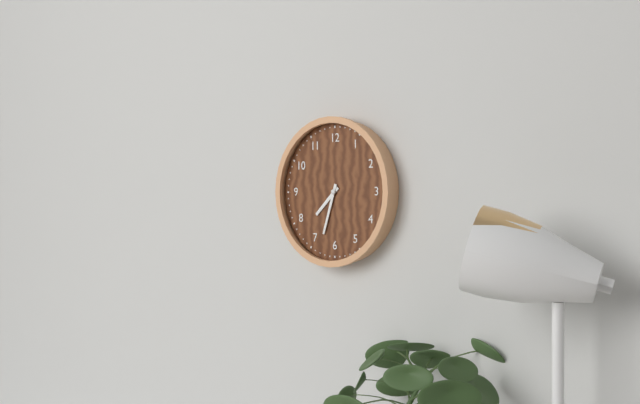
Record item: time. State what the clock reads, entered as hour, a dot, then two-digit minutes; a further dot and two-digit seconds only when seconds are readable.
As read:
7.33
